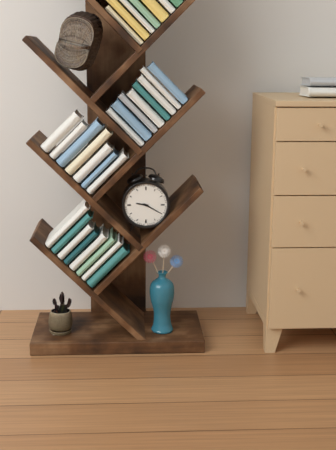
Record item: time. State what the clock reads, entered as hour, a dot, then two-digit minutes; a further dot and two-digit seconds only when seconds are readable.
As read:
9.20
